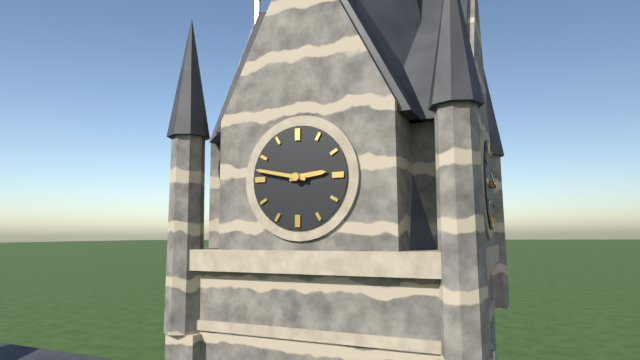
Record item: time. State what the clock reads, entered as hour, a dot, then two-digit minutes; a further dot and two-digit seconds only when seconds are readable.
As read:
2.47
